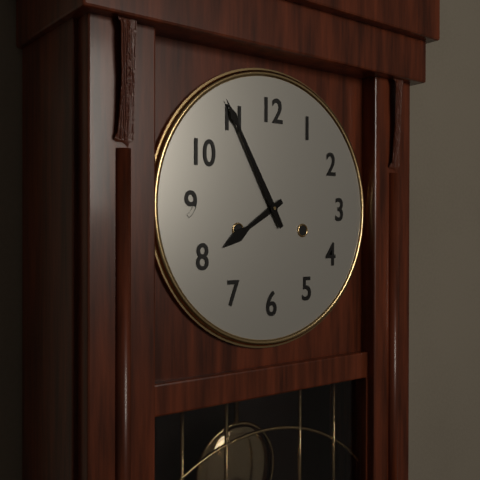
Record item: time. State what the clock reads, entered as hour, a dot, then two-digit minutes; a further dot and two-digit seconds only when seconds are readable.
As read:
7.55
